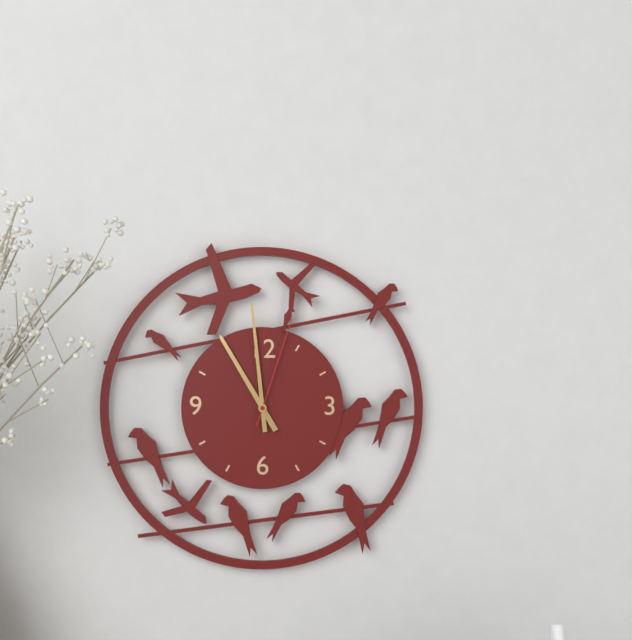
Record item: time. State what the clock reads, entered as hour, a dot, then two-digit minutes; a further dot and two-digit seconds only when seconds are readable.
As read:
10.59.03
